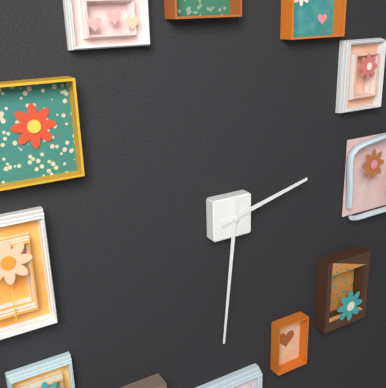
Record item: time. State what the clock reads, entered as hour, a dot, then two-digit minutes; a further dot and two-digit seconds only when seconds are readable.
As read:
2.31
